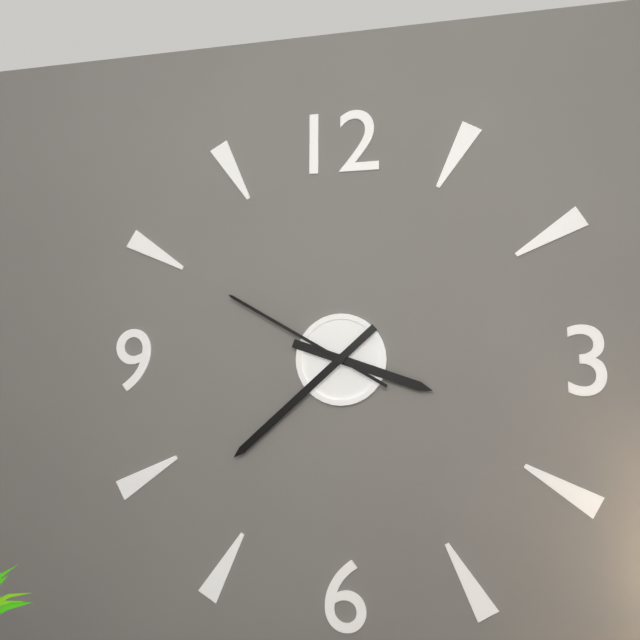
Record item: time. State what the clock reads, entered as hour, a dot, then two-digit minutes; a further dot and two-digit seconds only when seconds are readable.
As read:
3.38.50
